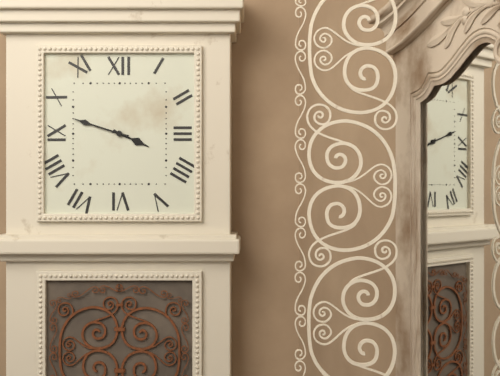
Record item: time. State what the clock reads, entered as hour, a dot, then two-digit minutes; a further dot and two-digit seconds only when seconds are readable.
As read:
3.48
